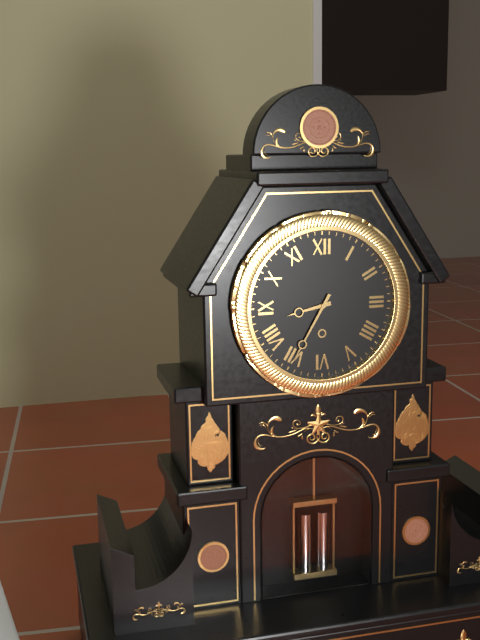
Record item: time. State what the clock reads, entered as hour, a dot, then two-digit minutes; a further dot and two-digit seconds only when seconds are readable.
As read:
8.35
